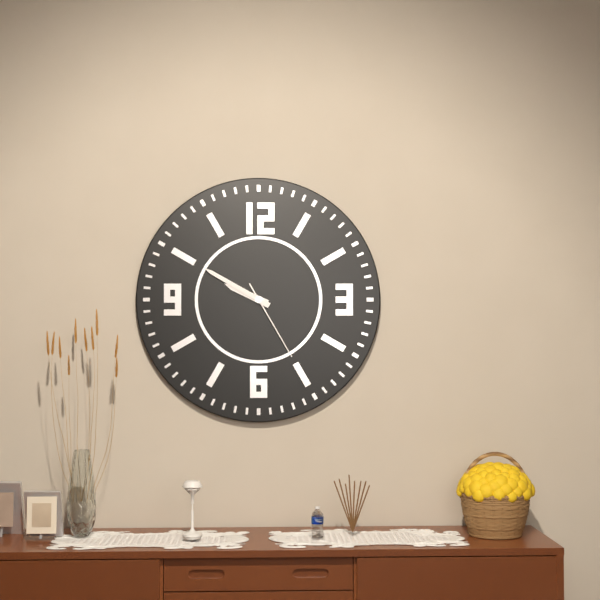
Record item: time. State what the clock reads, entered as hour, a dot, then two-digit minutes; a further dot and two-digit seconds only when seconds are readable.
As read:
9.50.25
